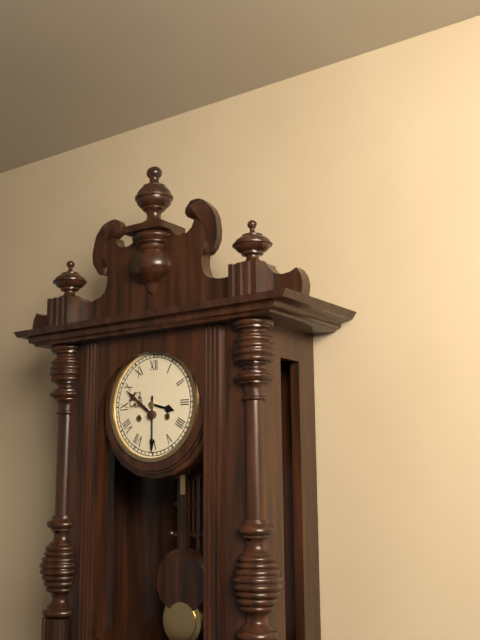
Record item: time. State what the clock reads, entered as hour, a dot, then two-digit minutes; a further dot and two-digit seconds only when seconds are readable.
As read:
3.30
